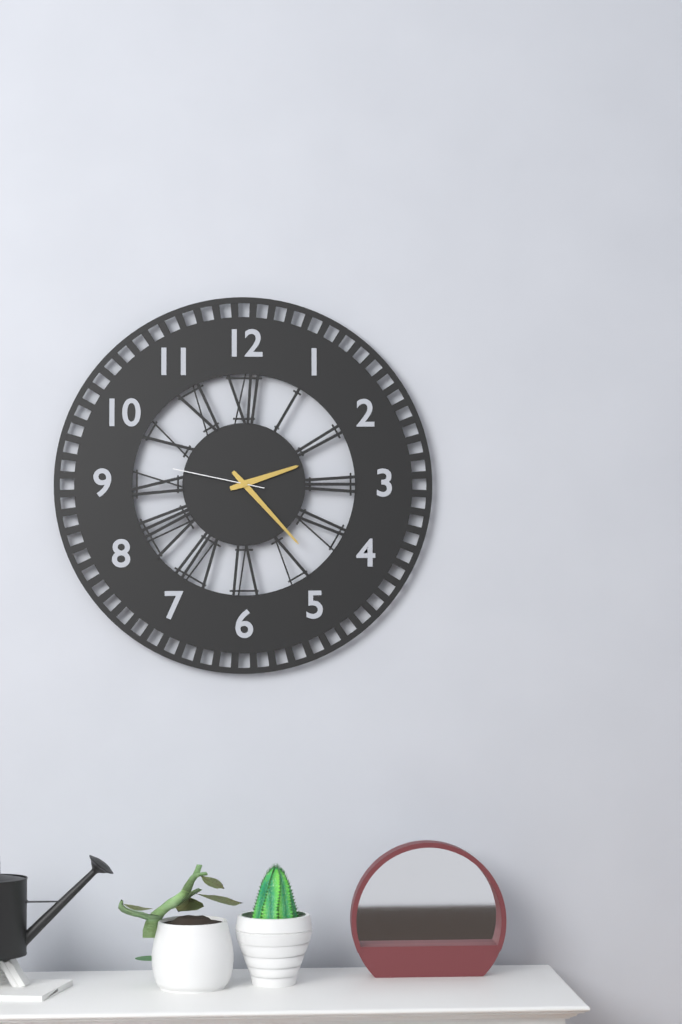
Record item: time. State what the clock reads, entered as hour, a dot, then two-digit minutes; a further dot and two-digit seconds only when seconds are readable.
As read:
2.23.47
